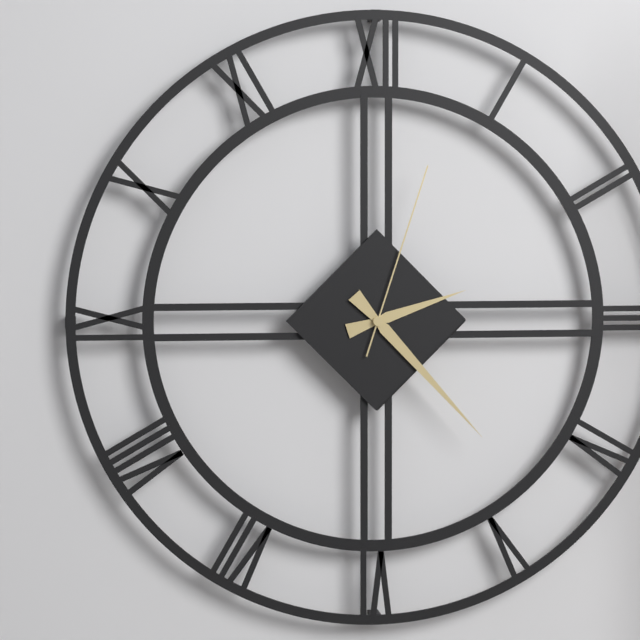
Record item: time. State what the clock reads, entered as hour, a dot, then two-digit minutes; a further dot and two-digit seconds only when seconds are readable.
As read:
2.23.03
